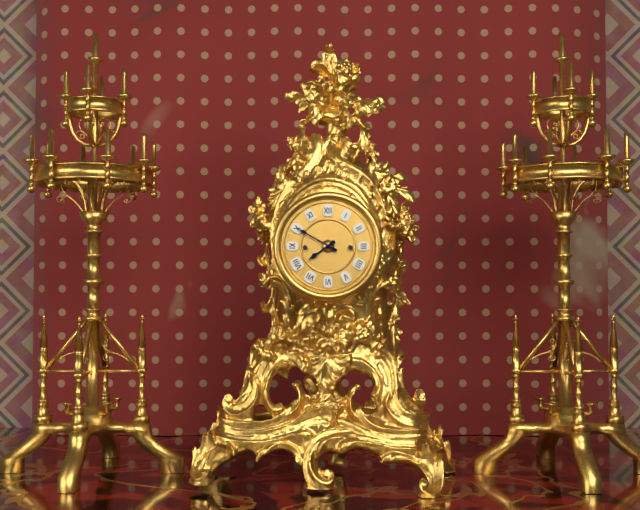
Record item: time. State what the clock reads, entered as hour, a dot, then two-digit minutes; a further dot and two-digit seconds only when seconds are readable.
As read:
7.50
